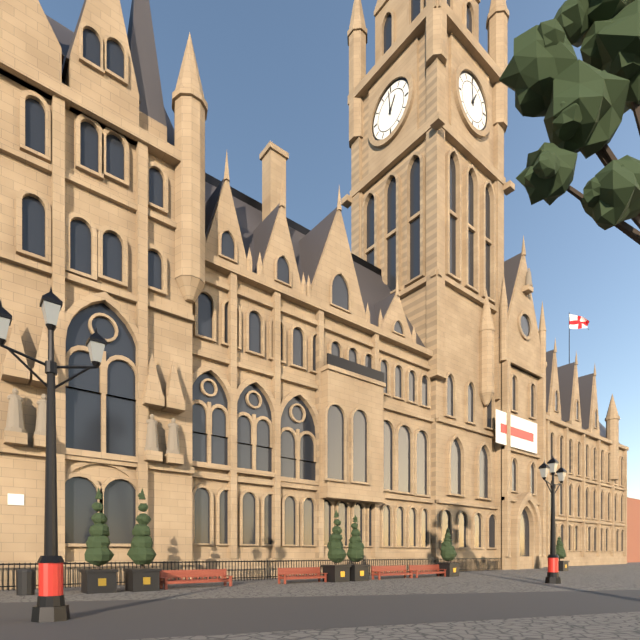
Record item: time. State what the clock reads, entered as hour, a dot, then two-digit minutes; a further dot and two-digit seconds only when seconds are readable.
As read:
12.59
